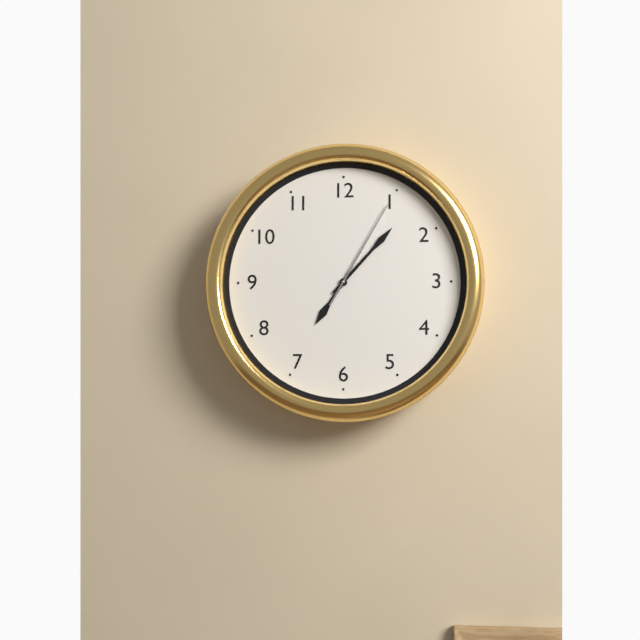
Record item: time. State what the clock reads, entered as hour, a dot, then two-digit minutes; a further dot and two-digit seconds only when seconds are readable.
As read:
7.07.05
